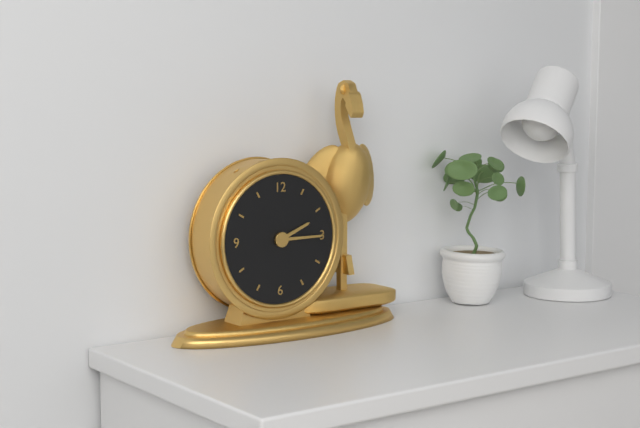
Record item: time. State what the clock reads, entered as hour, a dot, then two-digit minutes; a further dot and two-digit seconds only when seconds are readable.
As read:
2.15
